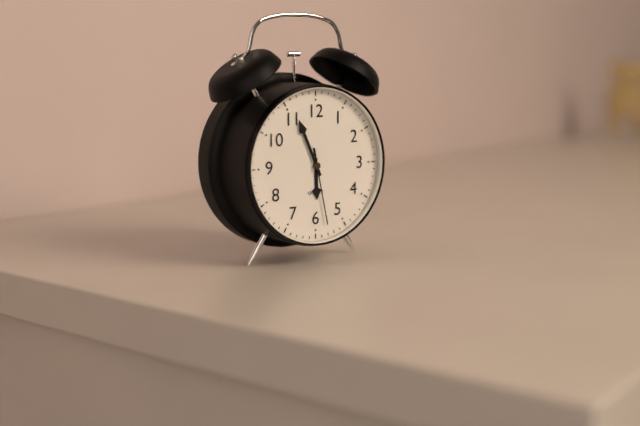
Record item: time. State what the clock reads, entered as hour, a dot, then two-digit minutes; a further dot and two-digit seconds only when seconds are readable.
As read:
5.56.28
